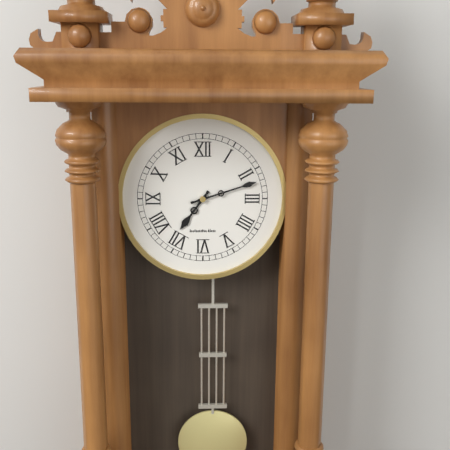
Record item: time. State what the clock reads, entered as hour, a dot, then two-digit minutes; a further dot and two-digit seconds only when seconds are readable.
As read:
7.12
